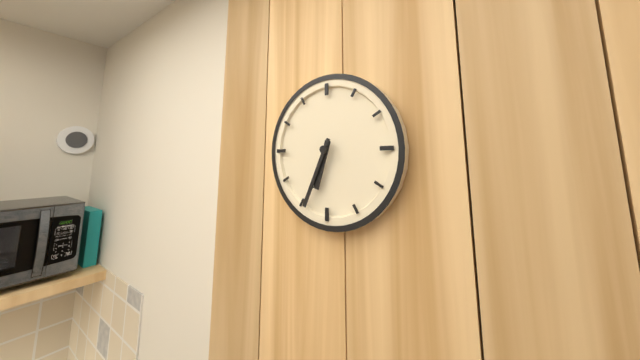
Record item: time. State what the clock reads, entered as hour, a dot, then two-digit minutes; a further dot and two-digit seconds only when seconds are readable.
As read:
6.34
